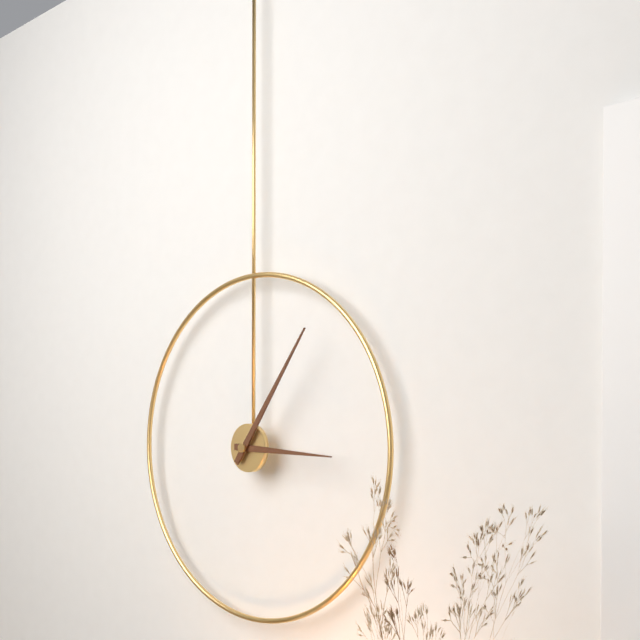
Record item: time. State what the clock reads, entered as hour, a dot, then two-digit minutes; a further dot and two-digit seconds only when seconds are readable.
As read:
3.06
